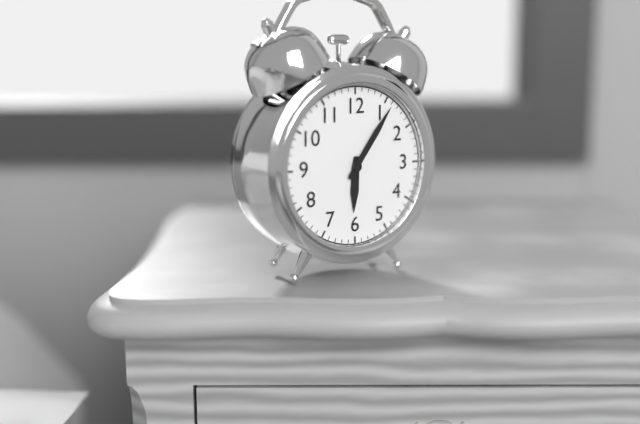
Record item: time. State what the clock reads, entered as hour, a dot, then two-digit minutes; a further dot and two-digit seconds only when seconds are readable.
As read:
6.06
